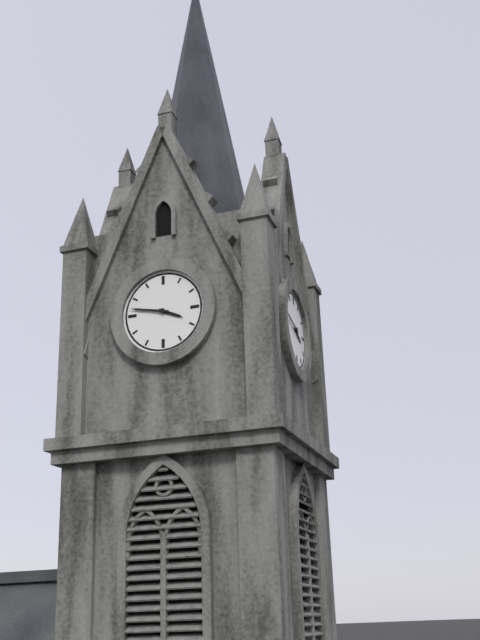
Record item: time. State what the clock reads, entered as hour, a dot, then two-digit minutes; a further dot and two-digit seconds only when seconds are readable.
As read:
3.47
